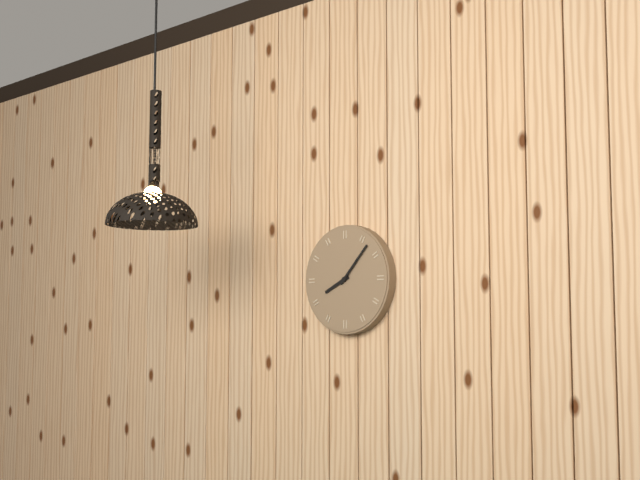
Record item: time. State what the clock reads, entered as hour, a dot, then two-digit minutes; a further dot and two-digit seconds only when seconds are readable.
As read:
8.07
